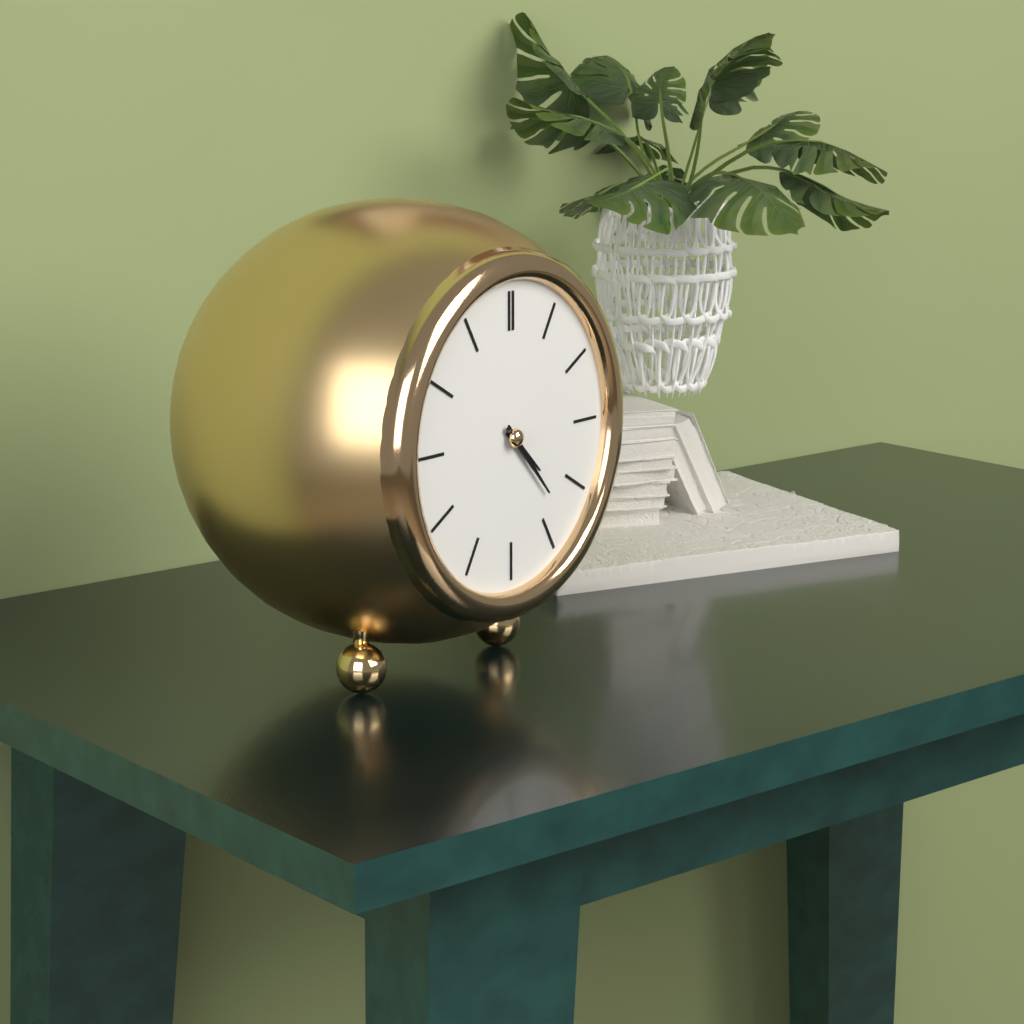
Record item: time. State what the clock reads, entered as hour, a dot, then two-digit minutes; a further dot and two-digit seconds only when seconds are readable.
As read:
4.23
